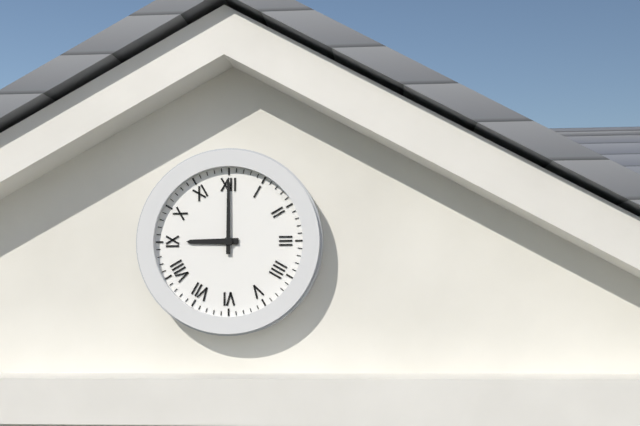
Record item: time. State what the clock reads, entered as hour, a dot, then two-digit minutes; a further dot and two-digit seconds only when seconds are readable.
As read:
9.00
